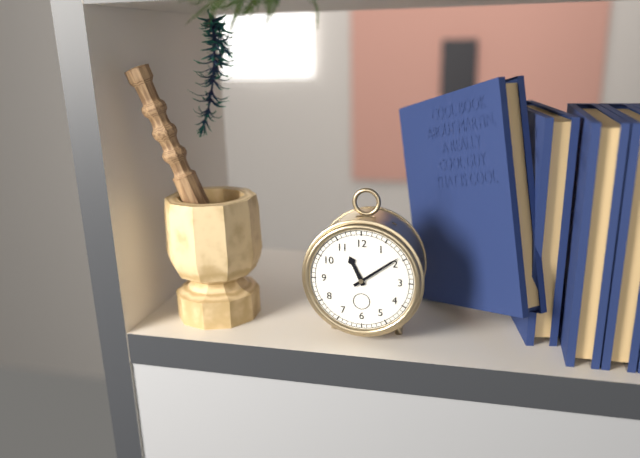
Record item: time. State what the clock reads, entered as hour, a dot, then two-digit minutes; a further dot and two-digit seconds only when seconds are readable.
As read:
11.09
